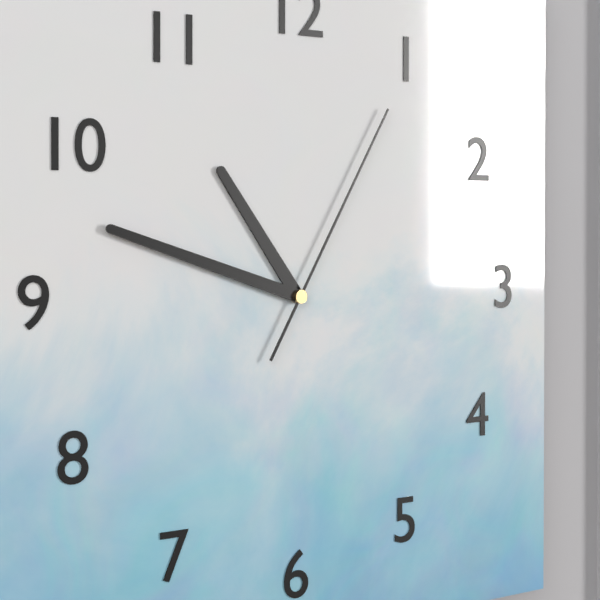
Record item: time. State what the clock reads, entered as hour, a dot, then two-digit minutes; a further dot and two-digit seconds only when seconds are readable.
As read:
10.48.05
